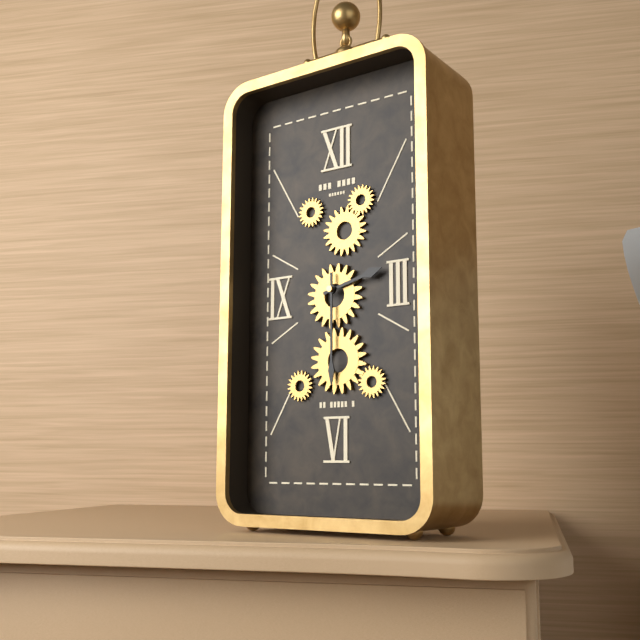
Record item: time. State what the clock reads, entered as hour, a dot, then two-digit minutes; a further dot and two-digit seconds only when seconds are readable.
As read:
2.30
